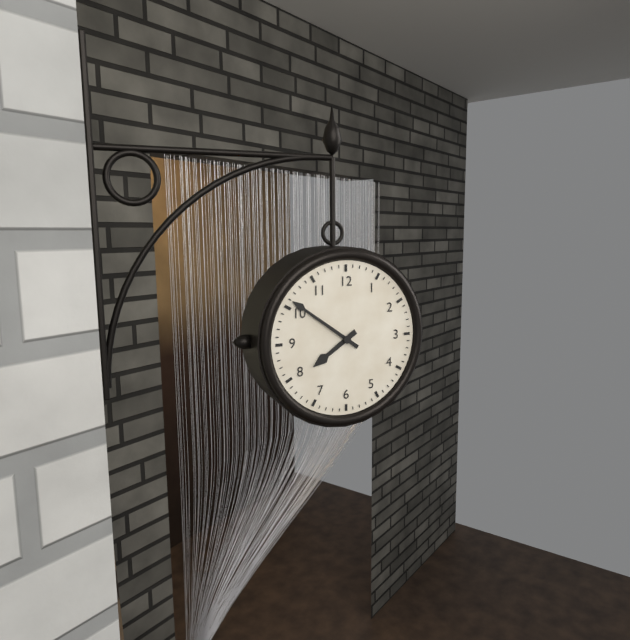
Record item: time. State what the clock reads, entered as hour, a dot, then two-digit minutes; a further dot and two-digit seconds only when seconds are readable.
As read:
7.51
